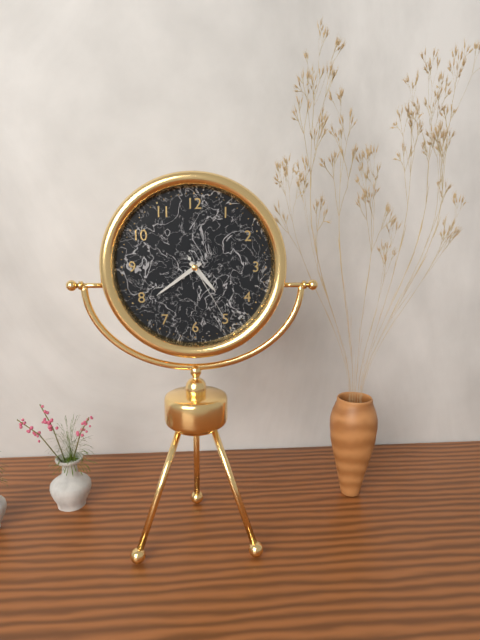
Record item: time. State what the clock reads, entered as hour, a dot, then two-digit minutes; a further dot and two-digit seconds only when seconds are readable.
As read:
4.39.25
